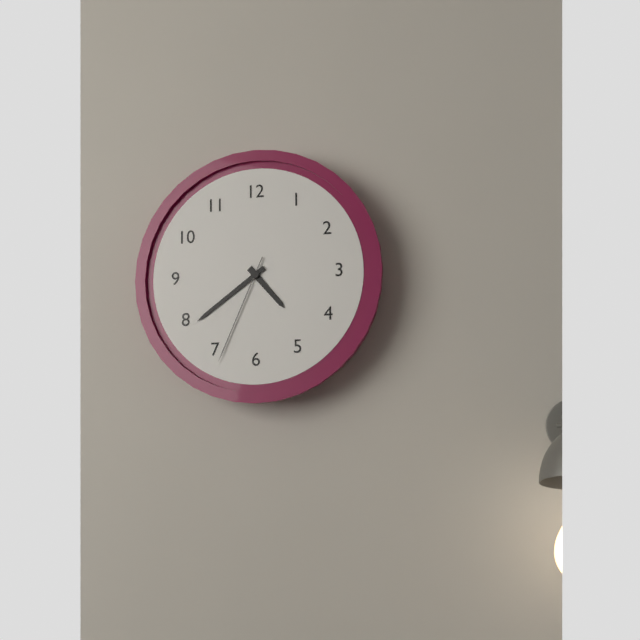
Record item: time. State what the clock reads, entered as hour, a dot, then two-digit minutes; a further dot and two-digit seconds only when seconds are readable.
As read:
4.39.34
